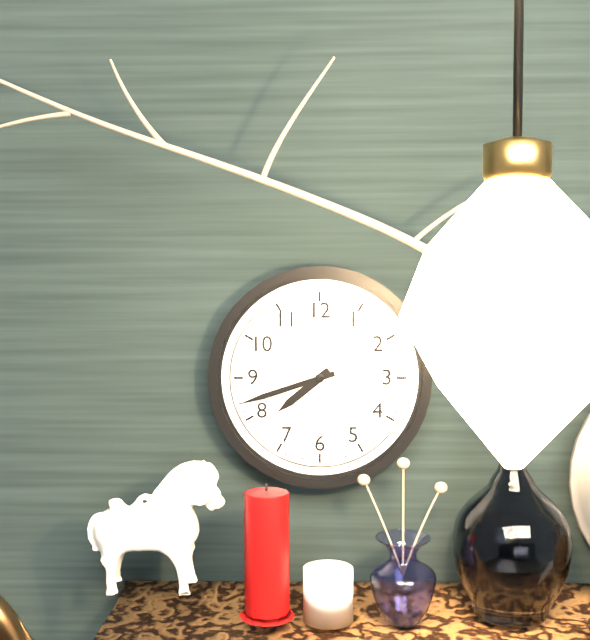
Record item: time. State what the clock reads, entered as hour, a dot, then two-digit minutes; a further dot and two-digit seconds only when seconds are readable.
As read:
7.42
